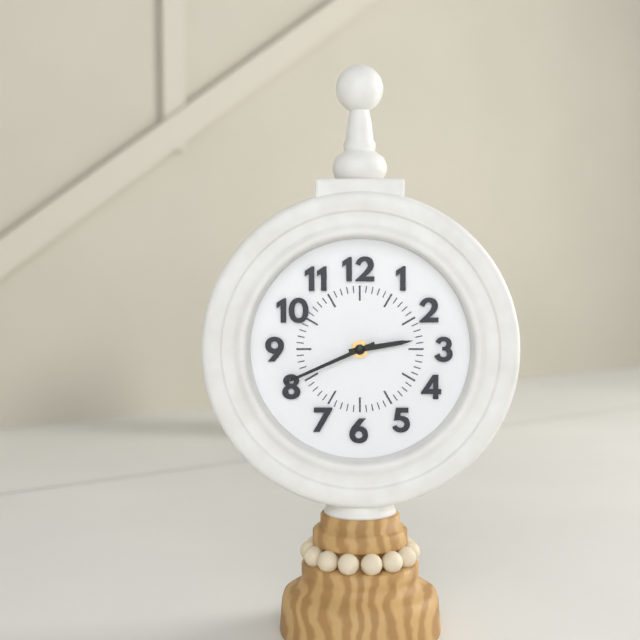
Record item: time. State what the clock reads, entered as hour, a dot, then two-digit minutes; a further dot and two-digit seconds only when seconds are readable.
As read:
2.41
